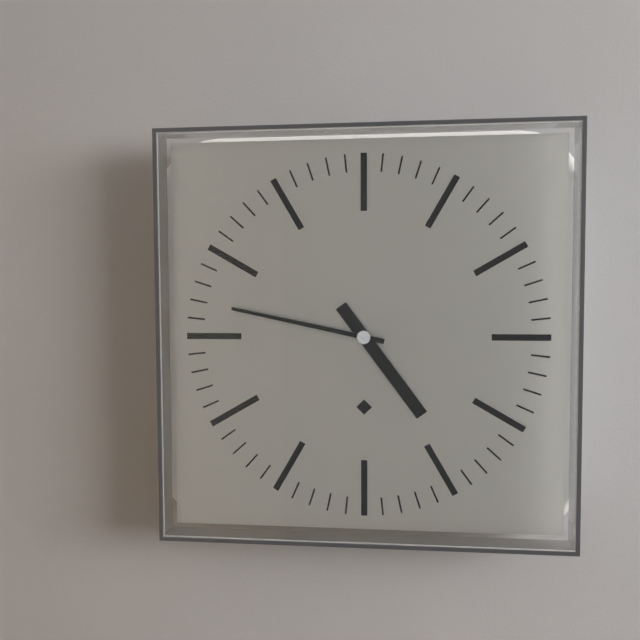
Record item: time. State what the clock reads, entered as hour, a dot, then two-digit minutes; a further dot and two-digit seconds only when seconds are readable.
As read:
4.47
